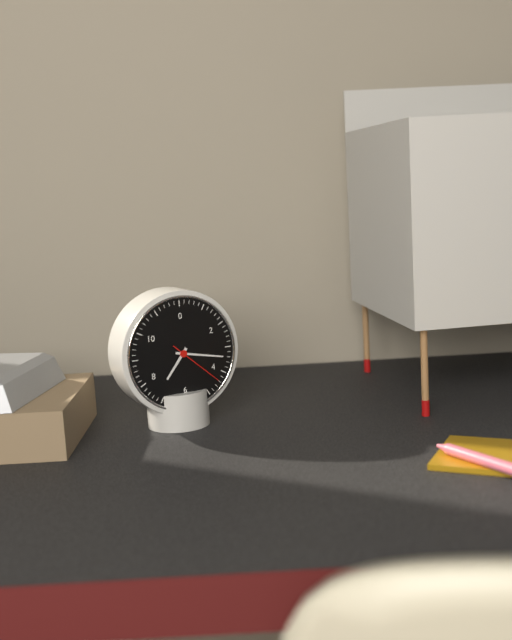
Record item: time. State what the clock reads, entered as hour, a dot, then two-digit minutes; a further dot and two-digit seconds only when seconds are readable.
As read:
7.17.22
